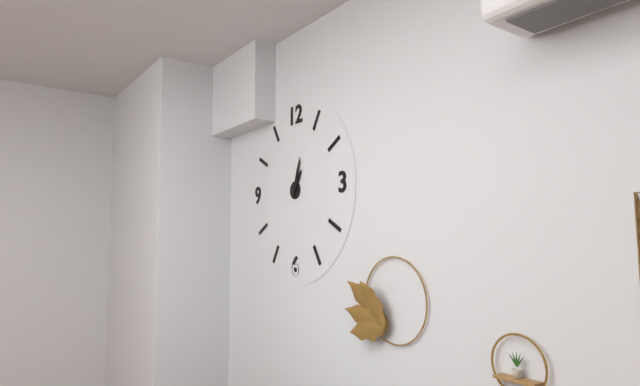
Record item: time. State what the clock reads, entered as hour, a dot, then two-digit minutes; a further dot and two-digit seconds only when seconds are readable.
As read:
1.03
